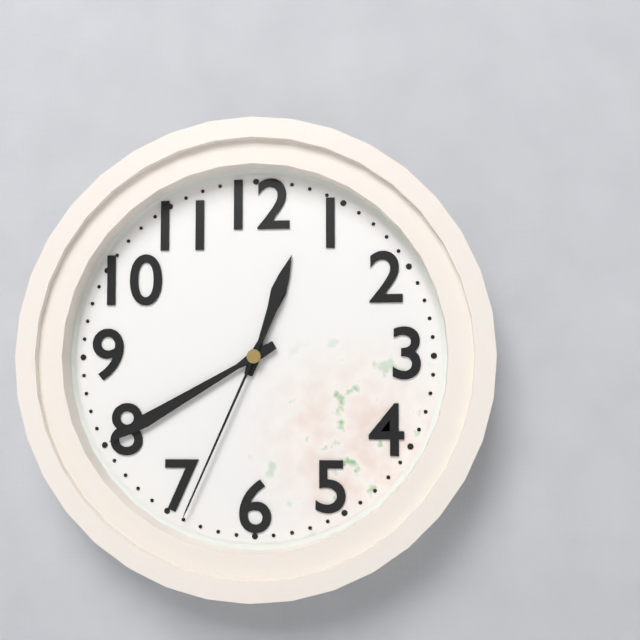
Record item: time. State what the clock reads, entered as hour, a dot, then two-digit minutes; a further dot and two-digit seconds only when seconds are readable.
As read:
12.40.34
